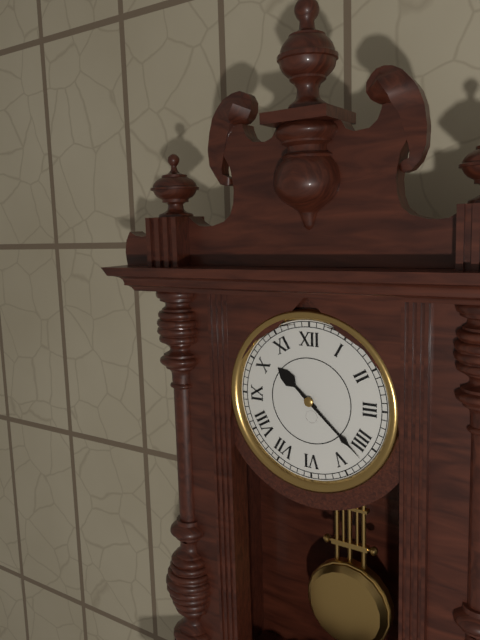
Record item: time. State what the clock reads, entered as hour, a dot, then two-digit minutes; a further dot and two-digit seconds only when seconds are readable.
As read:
10.22
